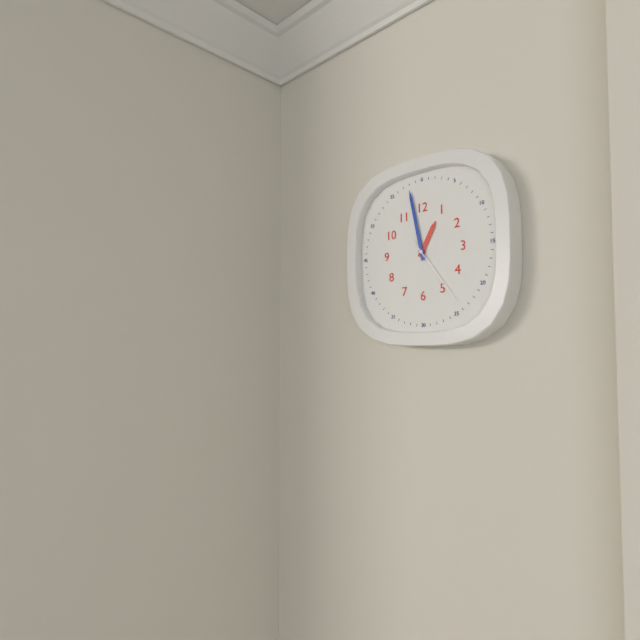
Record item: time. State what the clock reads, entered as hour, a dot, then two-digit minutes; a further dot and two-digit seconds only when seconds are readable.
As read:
12.58.24
